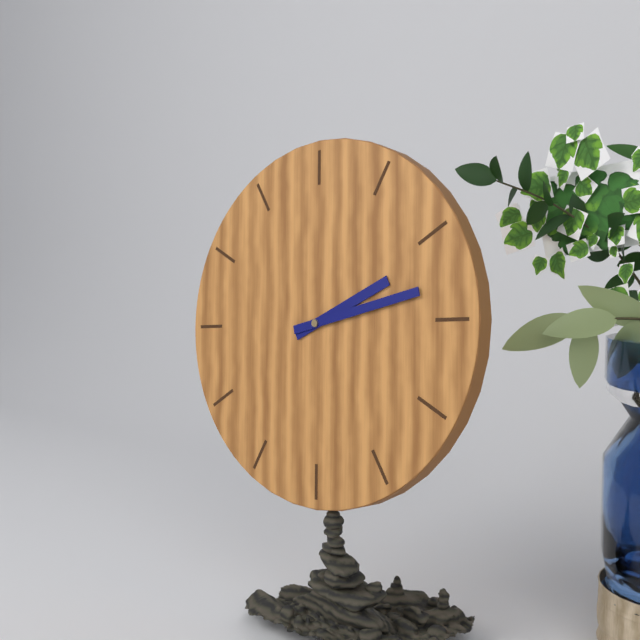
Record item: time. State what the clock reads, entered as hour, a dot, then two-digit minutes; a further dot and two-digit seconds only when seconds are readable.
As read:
2.13
